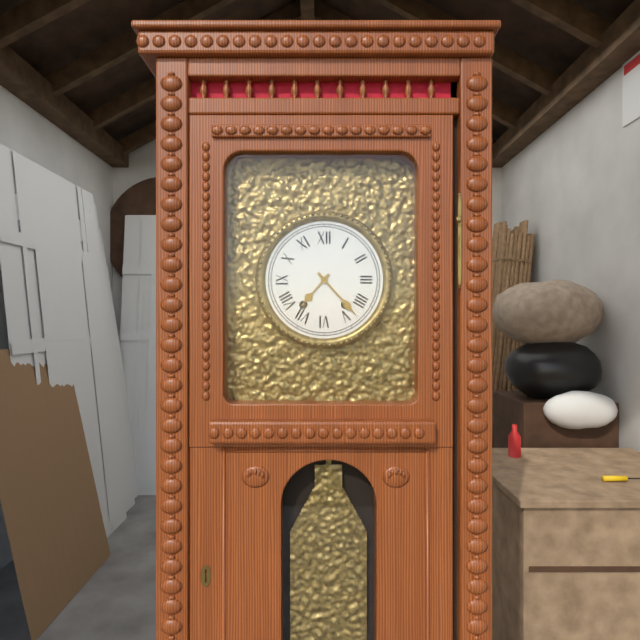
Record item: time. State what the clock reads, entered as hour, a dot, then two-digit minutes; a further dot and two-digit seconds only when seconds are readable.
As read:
7.23
